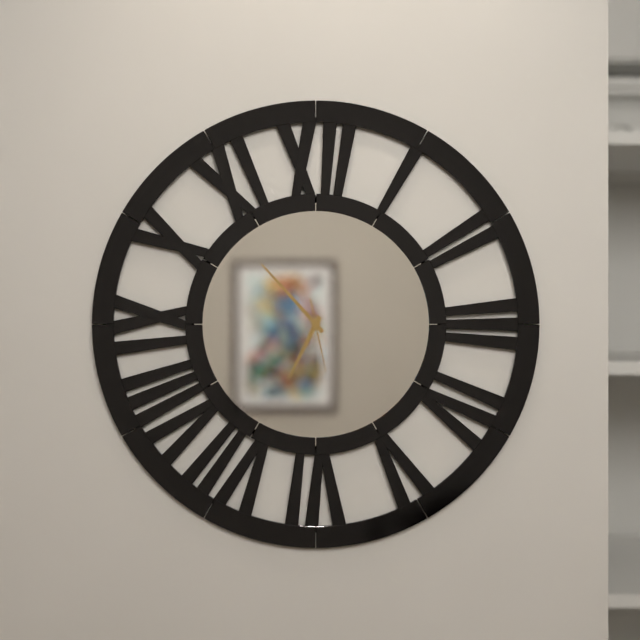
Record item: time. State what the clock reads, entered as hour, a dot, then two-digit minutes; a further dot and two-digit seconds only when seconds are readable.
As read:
6.53.28
